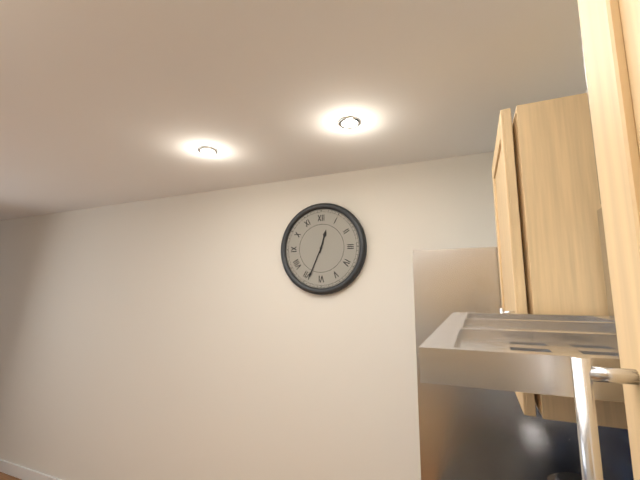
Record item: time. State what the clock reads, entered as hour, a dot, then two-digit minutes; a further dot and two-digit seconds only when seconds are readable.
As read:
12.34
